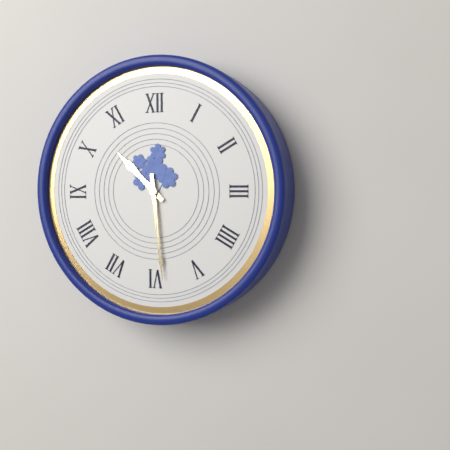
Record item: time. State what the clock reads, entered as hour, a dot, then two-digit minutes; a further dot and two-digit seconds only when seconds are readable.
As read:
10.29
